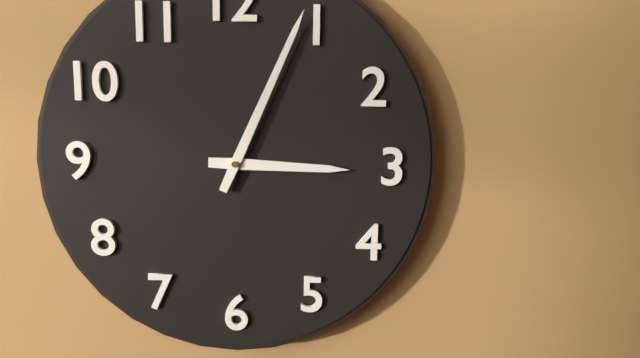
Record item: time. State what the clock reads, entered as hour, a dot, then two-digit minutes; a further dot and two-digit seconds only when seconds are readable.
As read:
3.04
